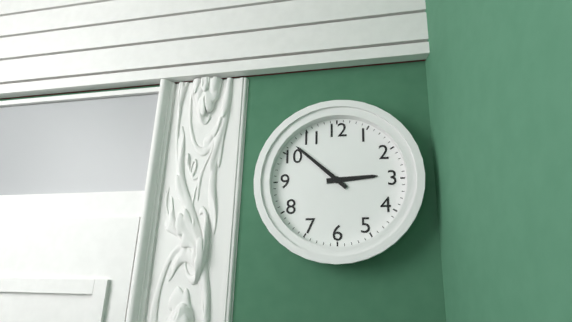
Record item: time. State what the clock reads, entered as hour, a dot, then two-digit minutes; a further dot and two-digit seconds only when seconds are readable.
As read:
2.52
